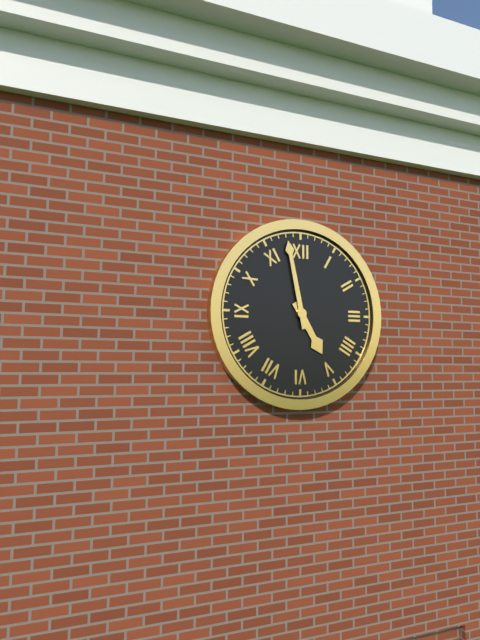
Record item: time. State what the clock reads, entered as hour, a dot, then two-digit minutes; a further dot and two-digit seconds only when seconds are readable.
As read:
4.58
